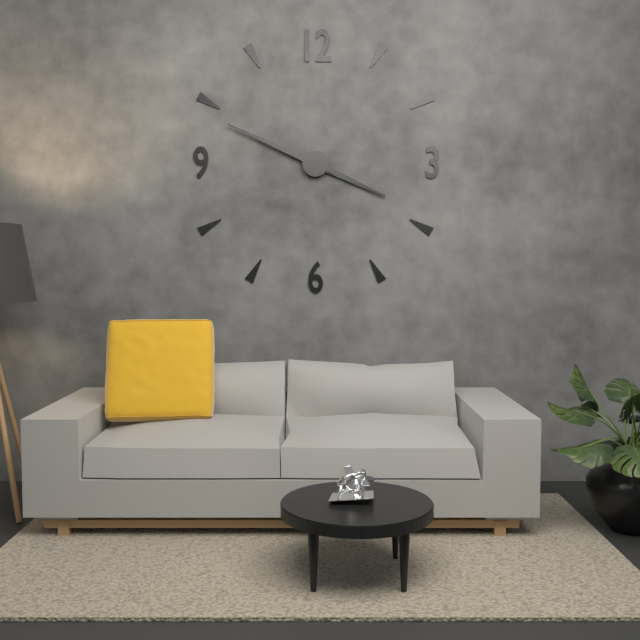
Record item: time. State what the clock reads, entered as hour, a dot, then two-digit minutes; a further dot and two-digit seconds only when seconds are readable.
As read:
3.49
